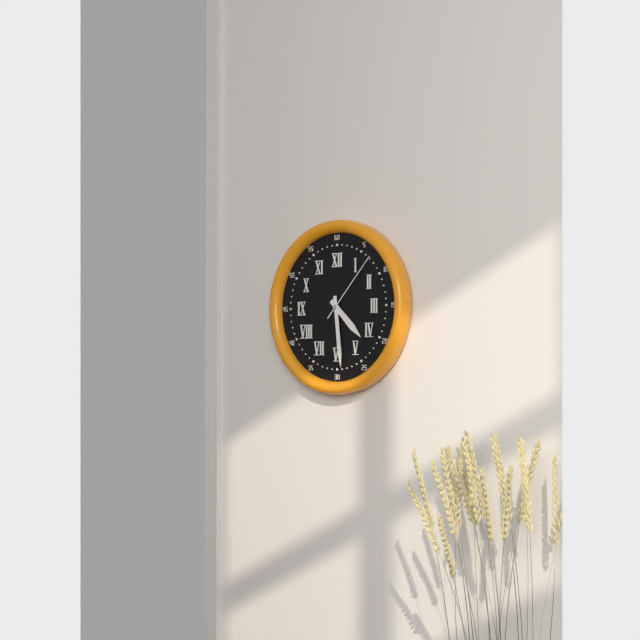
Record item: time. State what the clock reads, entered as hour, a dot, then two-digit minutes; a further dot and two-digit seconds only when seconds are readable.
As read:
4.29.07
